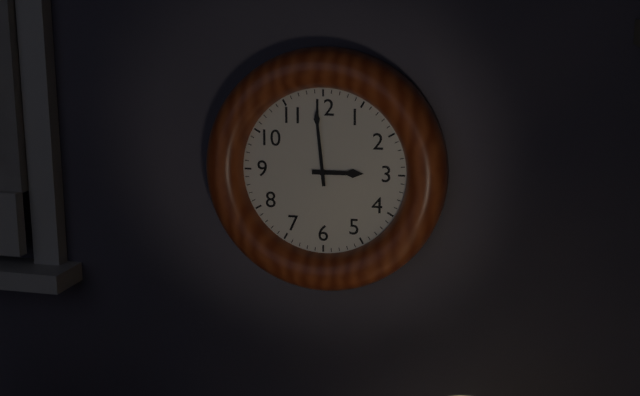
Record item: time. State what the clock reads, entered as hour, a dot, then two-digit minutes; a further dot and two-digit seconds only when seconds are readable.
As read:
2.59
